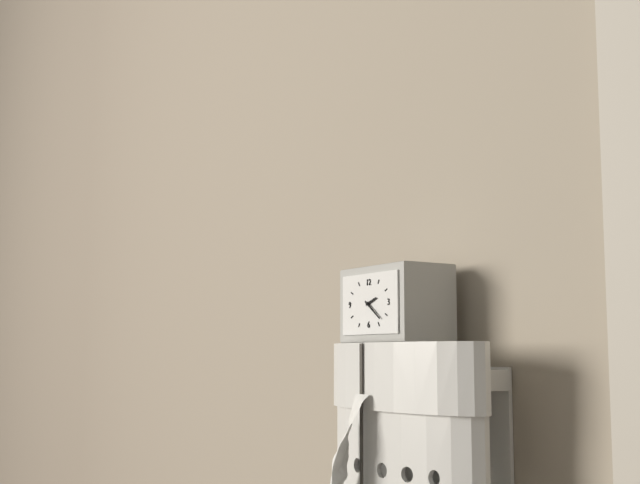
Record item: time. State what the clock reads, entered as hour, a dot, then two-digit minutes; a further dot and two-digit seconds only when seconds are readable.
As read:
2.21
